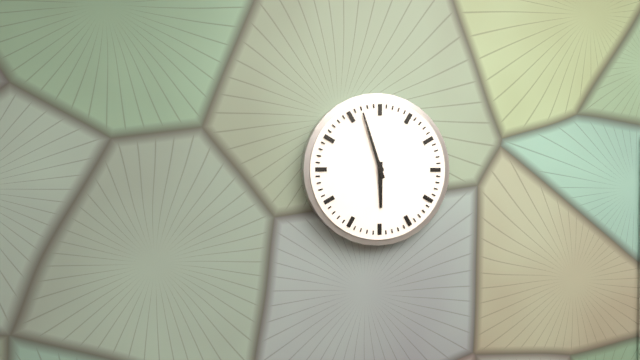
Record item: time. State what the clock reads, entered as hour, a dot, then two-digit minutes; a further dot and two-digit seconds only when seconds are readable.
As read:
5.57
